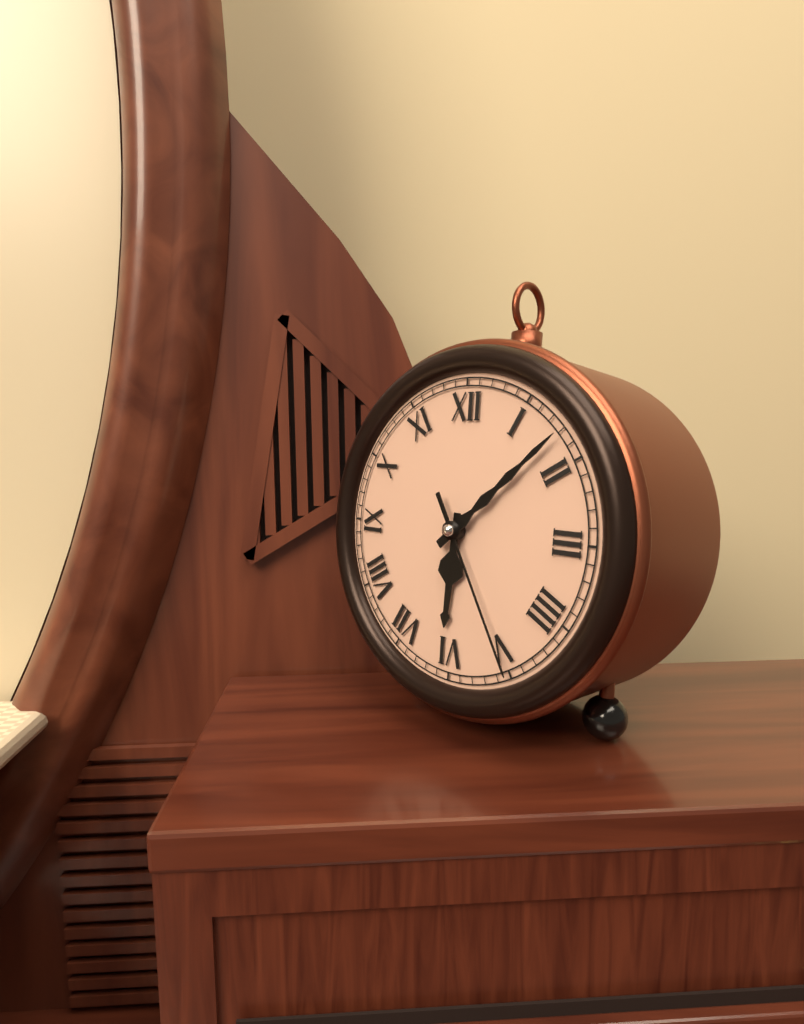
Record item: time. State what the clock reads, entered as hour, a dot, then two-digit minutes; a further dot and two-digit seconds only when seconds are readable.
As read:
6.08.25
